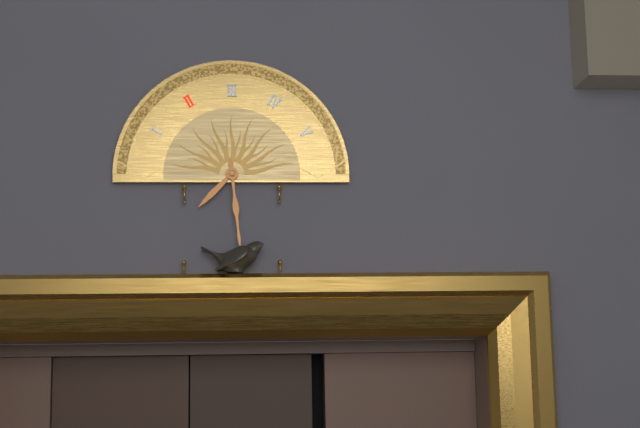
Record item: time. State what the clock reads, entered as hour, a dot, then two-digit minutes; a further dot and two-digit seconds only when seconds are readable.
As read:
7.29
